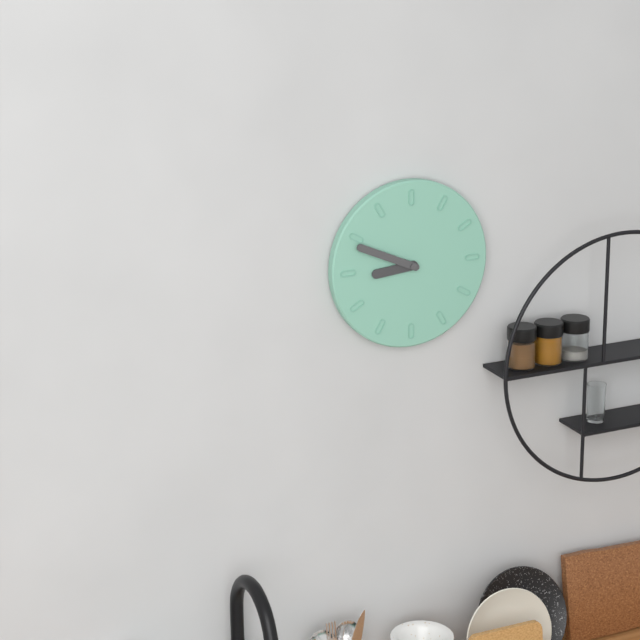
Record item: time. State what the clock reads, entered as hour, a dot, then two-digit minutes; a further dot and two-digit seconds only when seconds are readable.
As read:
8.49
